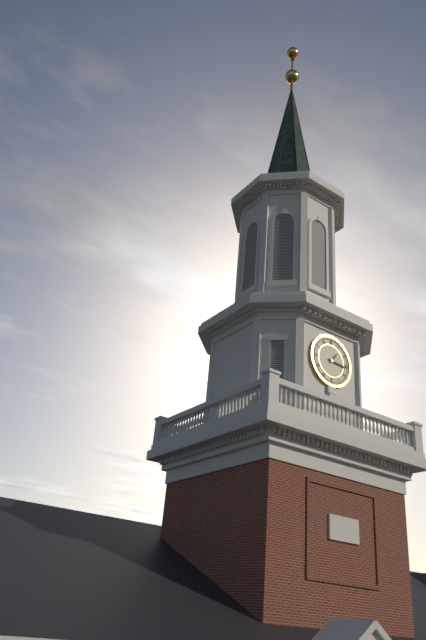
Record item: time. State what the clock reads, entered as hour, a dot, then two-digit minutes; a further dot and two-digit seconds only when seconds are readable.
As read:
1.16
